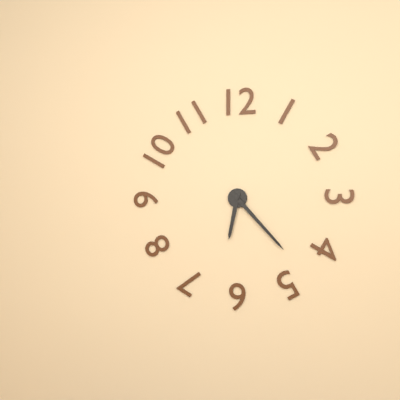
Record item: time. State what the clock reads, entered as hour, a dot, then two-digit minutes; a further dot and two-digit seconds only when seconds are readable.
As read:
6.23
